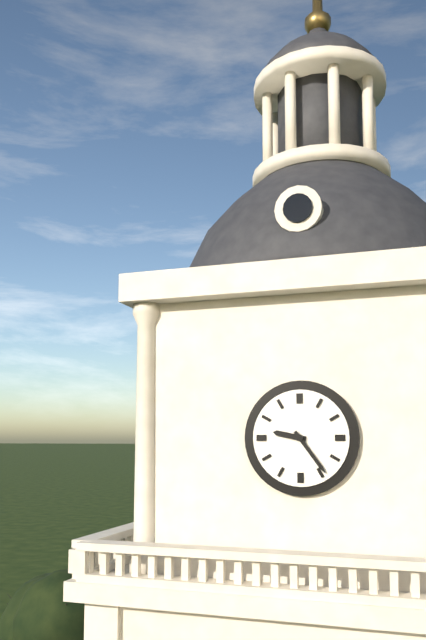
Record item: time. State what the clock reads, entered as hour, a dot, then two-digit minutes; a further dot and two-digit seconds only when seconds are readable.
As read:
9.24
